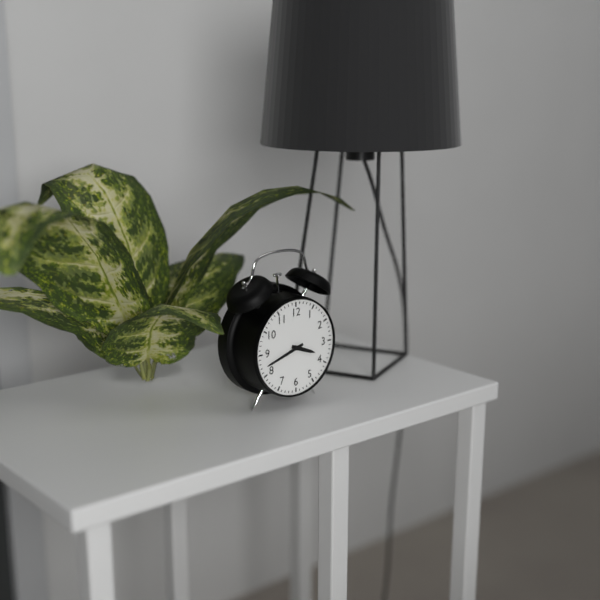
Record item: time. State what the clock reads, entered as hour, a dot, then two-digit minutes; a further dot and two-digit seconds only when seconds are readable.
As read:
3.42
